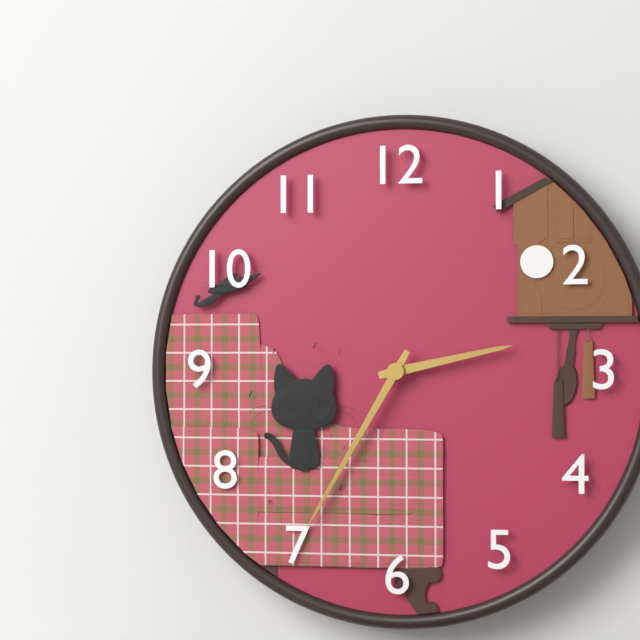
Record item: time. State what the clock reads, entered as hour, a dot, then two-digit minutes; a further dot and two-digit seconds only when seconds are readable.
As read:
2.35
